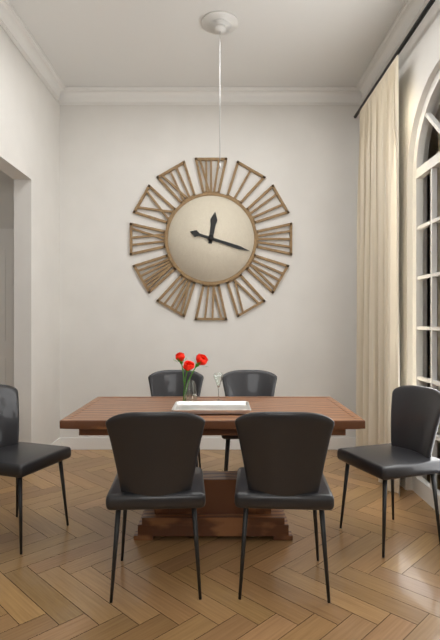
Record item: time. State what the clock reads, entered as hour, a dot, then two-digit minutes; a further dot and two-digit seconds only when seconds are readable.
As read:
12.18
